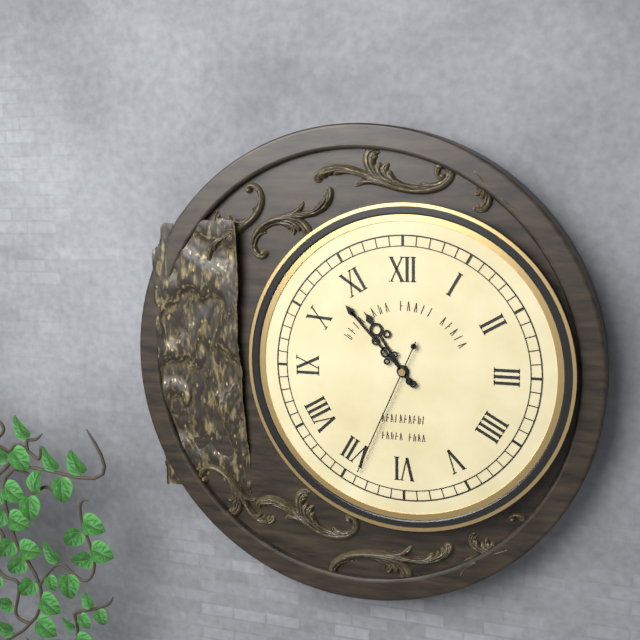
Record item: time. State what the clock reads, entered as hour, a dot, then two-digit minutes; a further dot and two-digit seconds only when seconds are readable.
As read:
10.53.34
